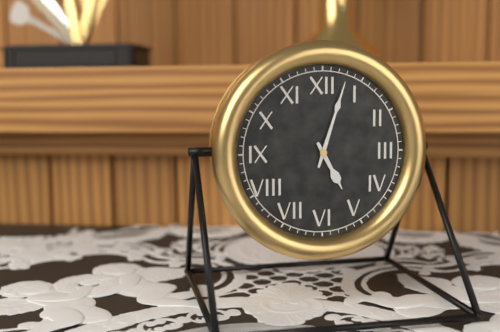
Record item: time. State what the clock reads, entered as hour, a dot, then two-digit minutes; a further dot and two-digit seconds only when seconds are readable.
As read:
5.03
